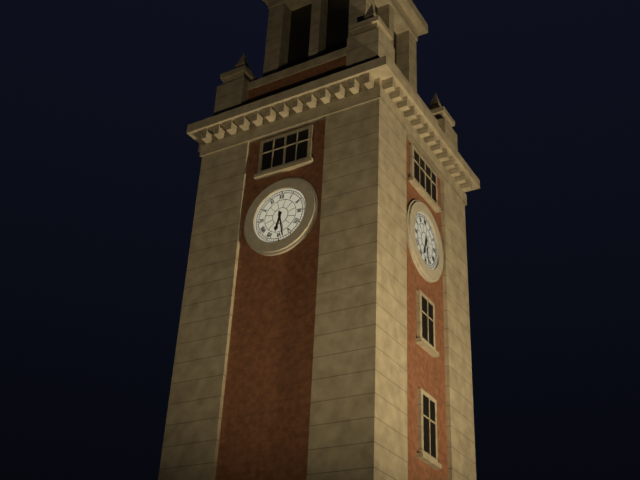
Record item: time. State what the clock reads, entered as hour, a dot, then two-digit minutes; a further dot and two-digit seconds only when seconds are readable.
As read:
6.28
